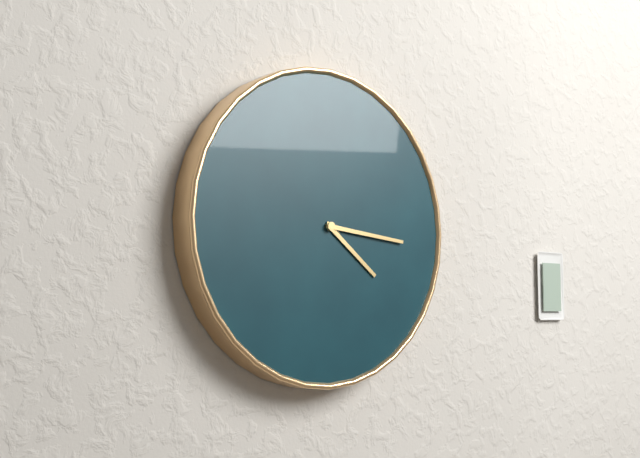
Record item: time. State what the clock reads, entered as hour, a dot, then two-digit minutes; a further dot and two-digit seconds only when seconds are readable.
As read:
4.16
